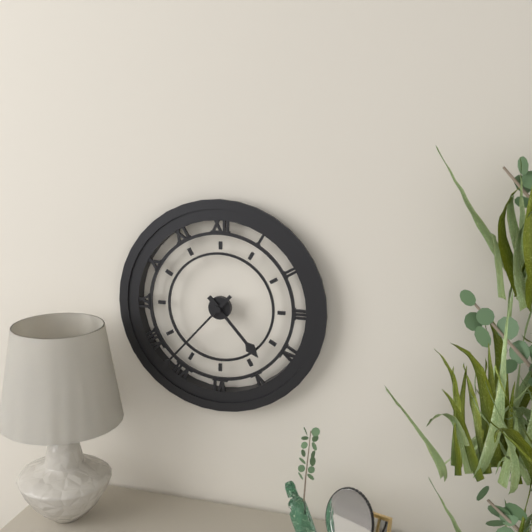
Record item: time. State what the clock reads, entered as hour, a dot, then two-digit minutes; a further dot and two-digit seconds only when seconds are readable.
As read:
4.37
